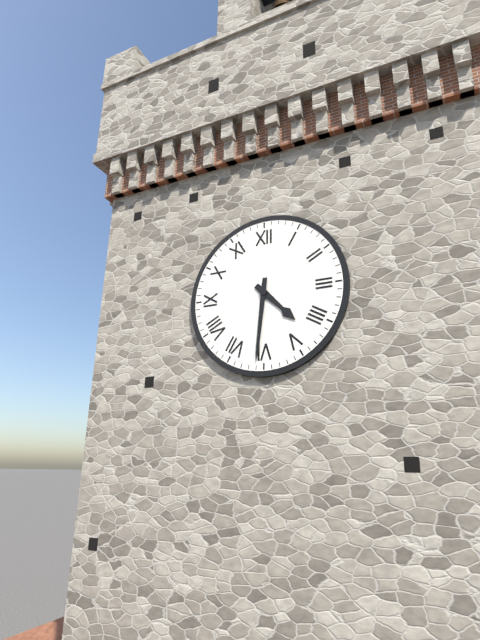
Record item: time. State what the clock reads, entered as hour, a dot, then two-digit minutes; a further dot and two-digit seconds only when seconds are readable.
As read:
4.31
